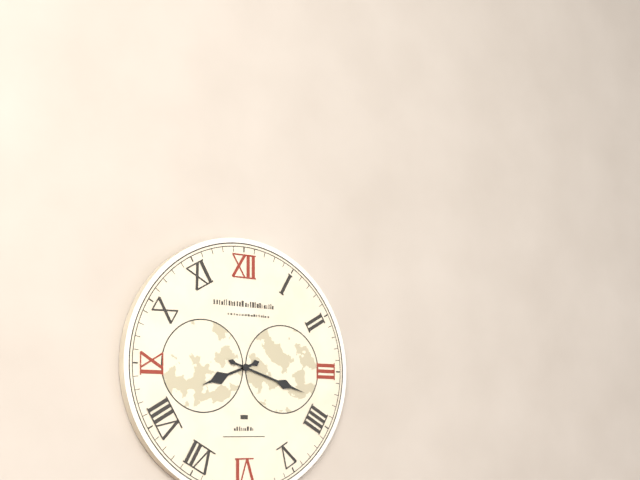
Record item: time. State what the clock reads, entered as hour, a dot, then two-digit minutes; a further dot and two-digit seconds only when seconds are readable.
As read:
8.18
